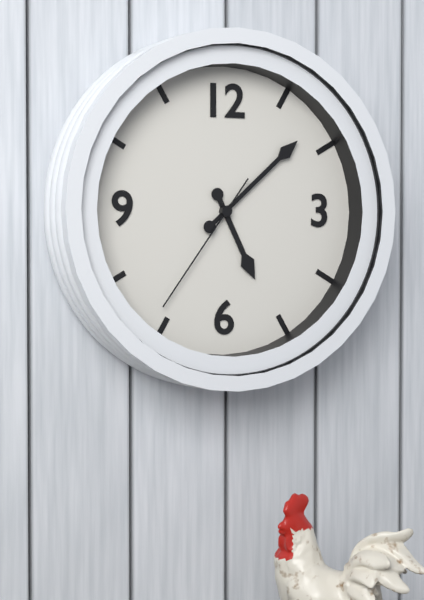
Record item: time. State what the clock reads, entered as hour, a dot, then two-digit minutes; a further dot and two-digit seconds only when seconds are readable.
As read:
5.08.36
